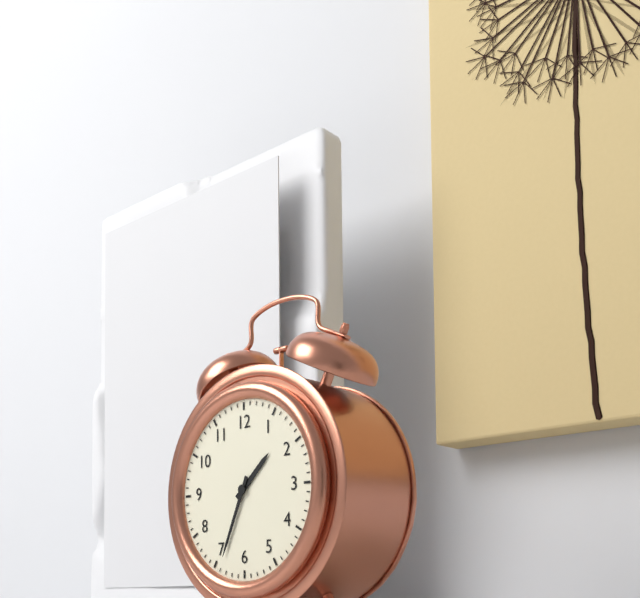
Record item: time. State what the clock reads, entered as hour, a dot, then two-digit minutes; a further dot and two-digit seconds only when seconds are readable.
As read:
1.34
